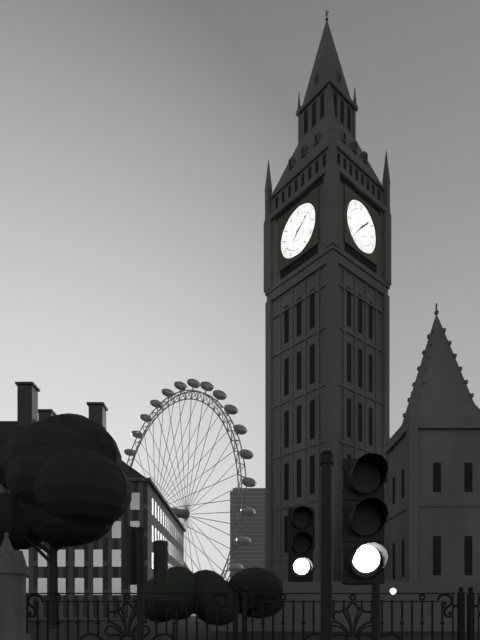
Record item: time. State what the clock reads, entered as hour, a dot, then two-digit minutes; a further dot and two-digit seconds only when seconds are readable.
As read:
1.37
